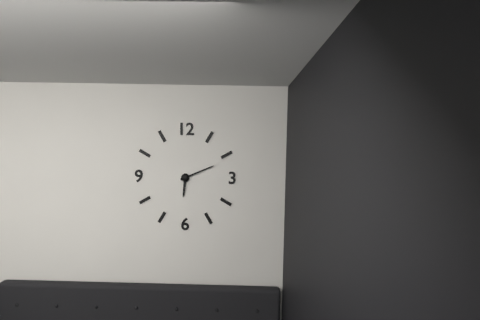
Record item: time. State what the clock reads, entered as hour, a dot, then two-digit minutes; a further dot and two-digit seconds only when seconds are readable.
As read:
6.11
